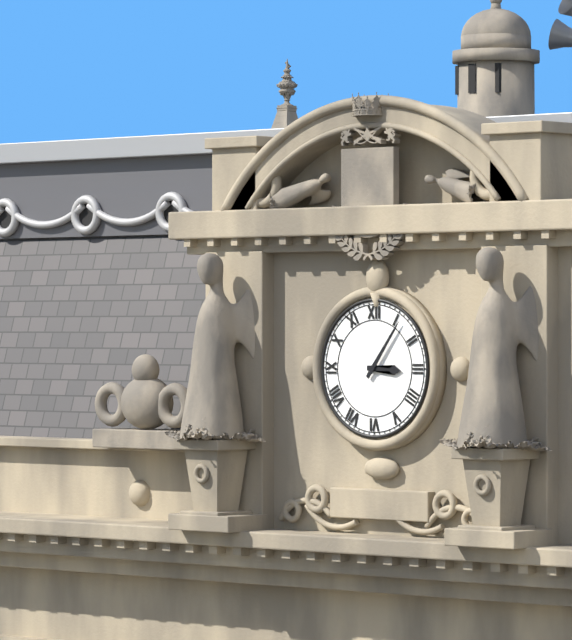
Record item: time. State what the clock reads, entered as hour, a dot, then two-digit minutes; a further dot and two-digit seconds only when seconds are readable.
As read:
3.06
